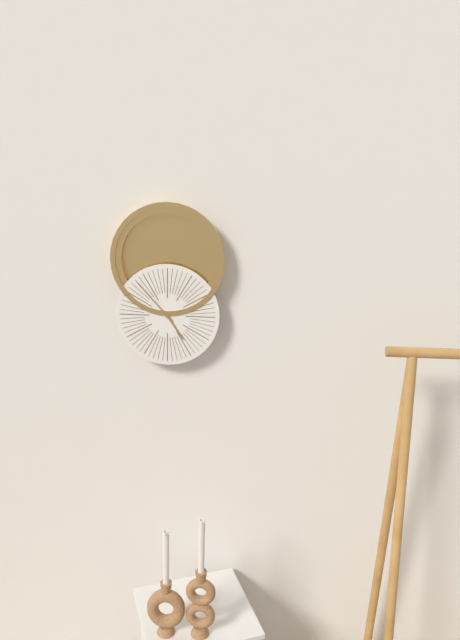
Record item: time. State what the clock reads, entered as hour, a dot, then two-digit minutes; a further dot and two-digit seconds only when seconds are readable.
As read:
4.53
